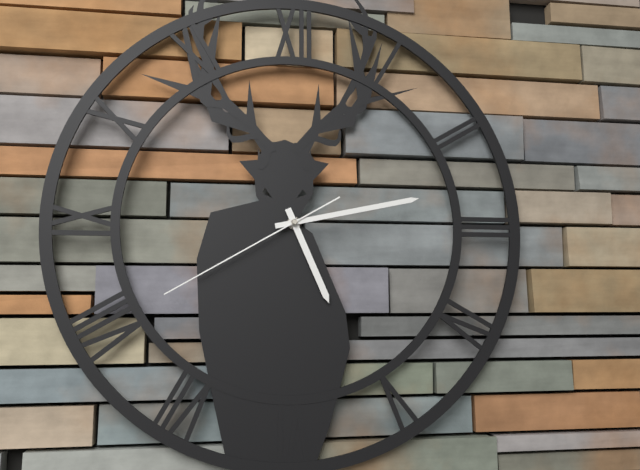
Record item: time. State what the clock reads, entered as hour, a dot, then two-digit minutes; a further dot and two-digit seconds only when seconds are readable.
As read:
5.13.40
